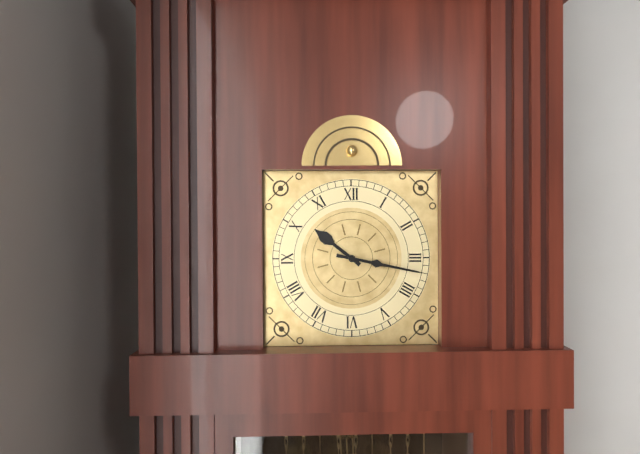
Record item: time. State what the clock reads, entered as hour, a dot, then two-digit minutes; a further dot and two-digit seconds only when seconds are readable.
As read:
10.17
